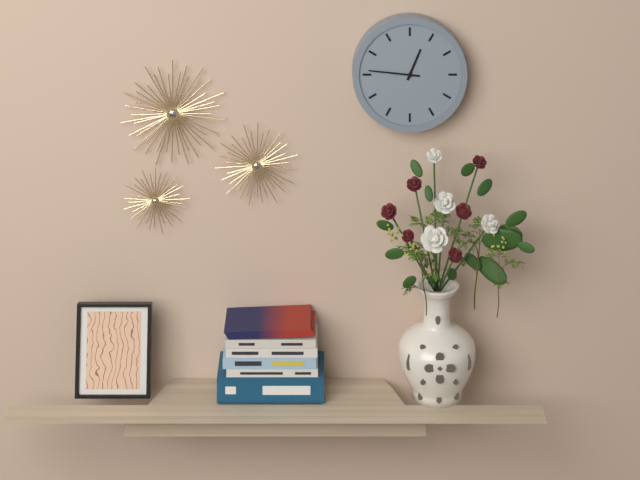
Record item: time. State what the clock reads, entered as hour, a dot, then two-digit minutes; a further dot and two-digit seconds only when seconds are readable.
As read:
12.46
